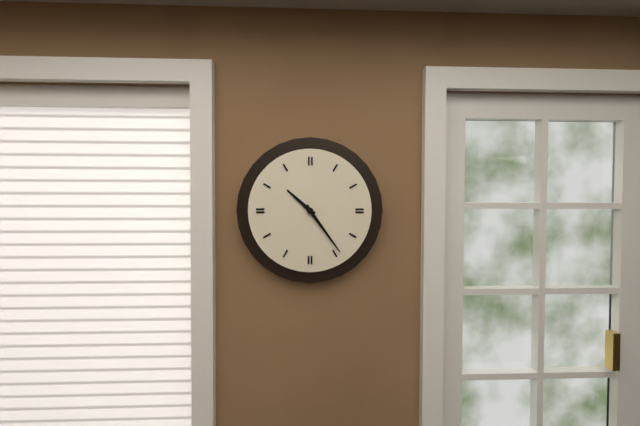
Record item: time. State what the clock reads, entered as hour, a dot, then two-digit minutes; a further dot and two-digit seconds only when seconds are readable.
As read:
10.24
